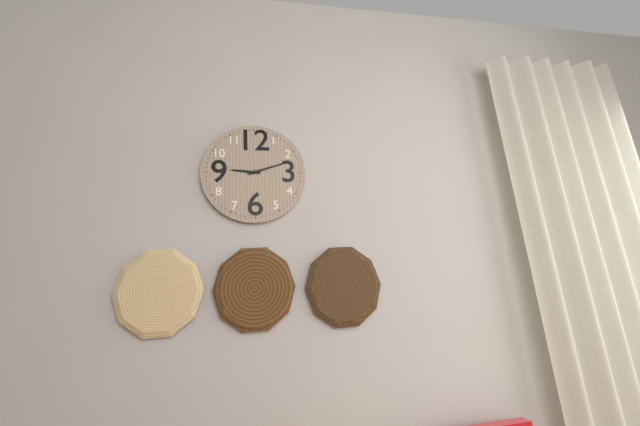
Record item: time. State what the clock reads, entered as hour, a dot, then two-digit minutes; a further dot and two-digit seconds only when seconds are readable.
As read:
9.12
